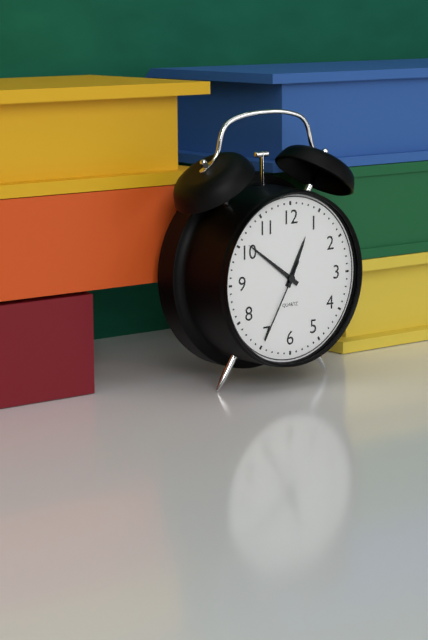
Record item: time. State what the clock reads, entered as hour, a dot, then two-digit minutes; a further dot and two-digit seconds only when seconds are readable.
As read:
12.51.35
